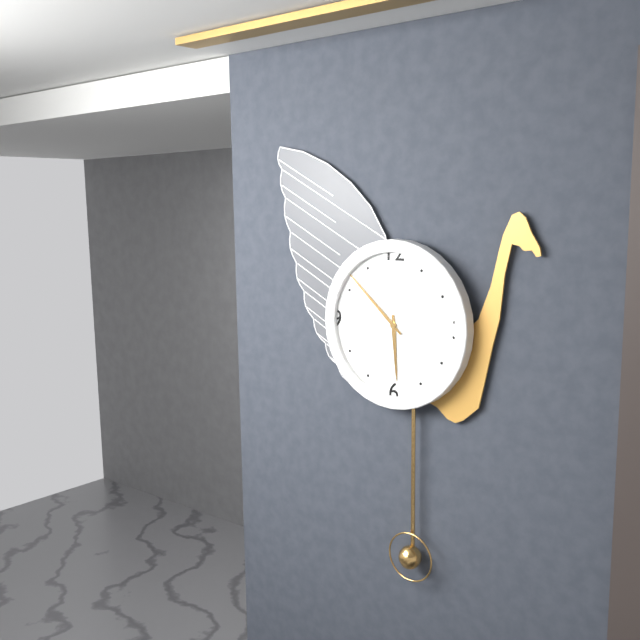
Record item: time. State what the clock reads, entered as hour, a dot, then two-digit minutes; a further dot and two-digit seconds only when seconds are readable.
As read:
5.52
